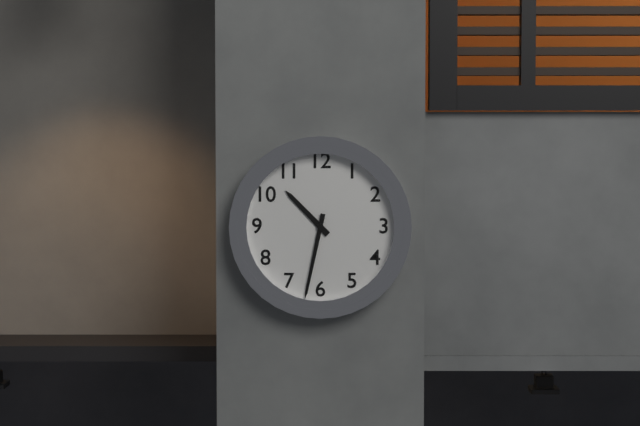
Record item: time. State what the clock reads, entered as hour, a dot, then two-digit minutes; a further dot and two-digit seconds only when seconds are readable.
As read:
10.32
